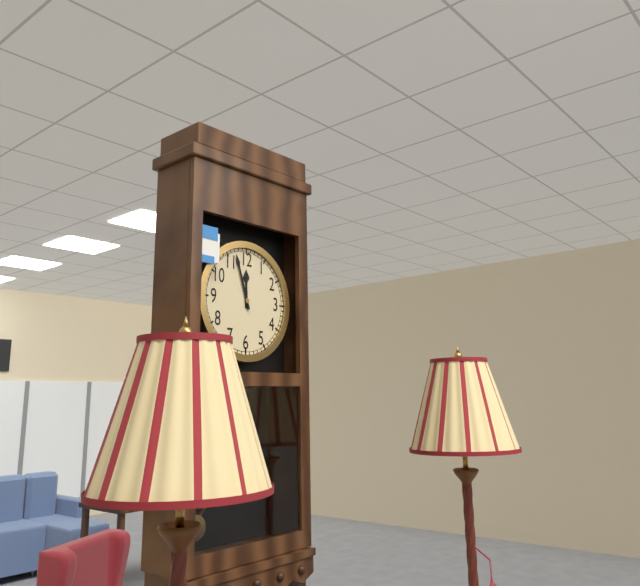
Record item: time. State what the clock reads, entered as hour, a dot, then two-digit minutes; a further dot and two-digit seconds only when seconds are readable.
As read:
11.57
